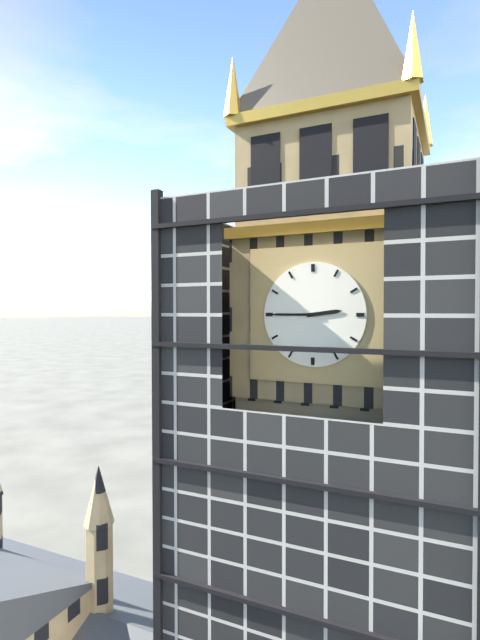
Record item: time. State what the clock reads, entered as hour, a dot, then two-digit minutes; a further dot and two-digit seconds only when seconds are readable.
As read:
2.45
